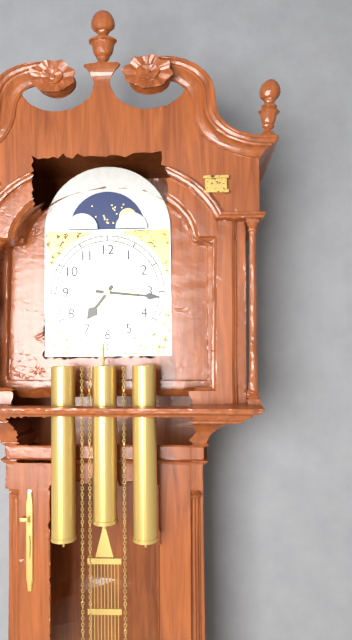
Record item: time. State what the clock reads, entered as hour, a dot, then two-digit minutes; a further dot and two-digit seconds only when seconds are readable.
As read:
7.16
